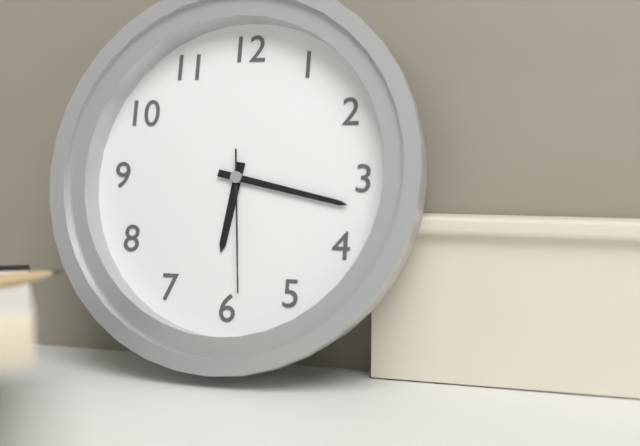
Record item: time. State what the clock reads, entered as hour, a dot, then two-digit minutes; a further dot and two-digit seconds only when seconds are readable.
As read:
6.17.29
